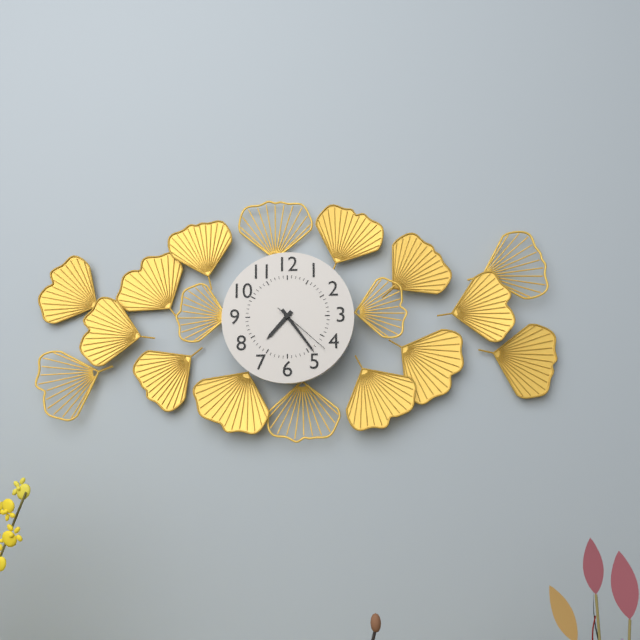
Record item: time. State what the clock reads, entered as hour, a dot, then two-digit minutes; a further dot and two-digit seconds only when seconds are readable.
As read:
7.24.22
